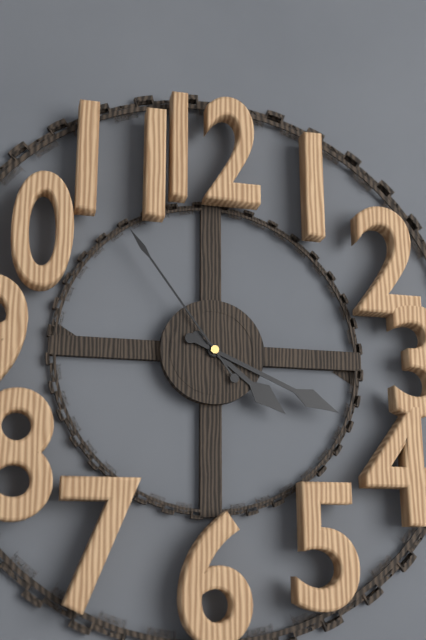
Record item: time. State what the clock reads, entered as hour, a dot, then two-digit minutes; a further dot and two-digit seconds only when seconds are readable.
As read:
4.19.54
